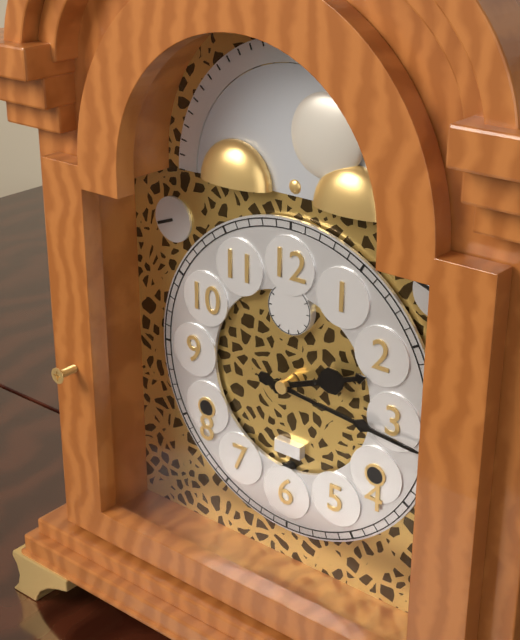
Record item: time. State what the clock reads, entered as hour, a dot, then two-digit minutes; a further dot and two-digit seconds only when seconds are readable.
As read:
2.16
